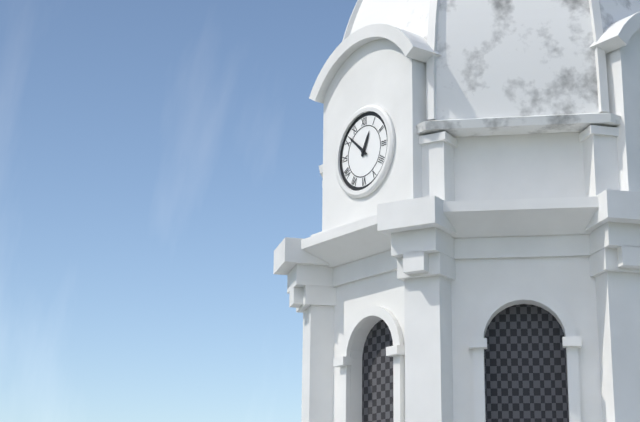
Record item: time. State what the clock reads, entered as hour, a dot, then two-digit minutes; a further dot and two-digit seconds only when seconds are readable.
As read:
12.52
